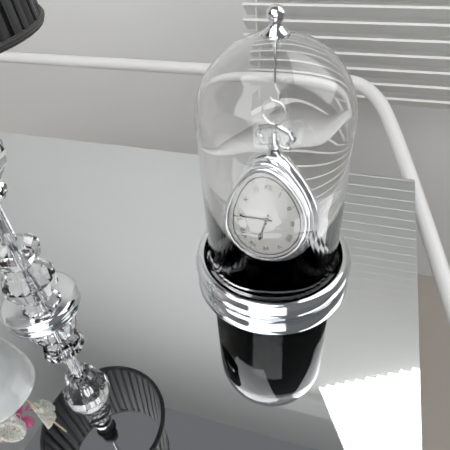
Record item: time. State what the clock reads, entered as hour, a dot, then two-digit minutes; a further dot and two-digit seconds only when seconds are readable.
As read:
6.45
